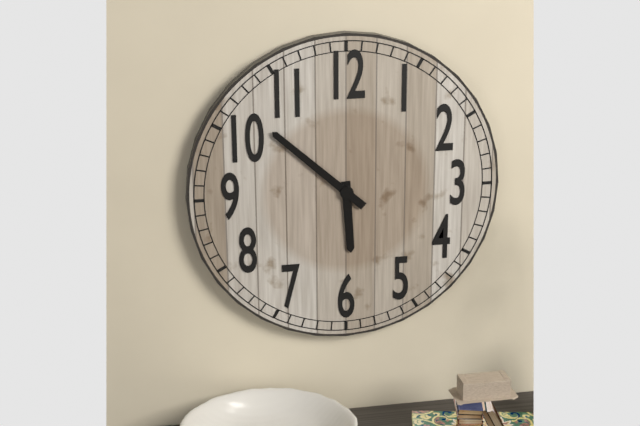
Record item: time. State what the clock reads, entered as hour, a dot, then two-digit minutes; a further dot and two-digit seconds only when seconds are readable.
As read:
5.52
